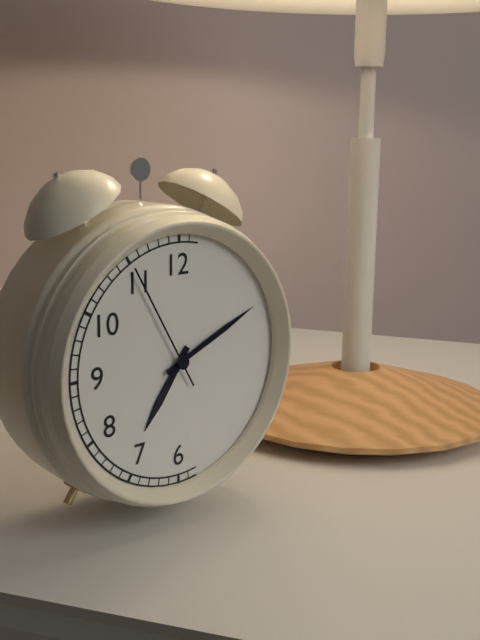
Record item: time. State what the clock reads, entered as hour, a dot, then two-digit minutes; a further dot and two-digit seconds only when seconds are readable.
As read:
7.11.55
